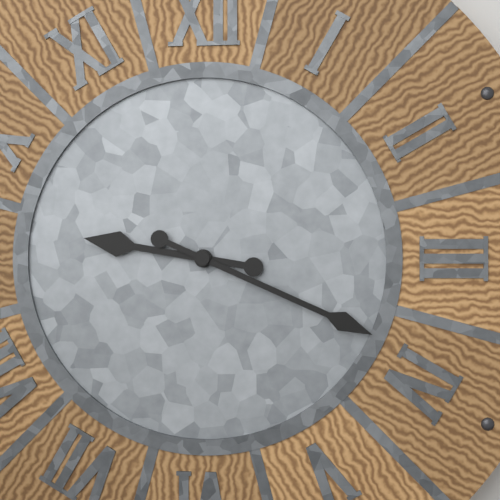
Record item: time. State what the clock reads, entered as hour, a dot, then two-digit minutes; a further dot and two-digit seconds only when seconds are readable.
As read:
9.19
